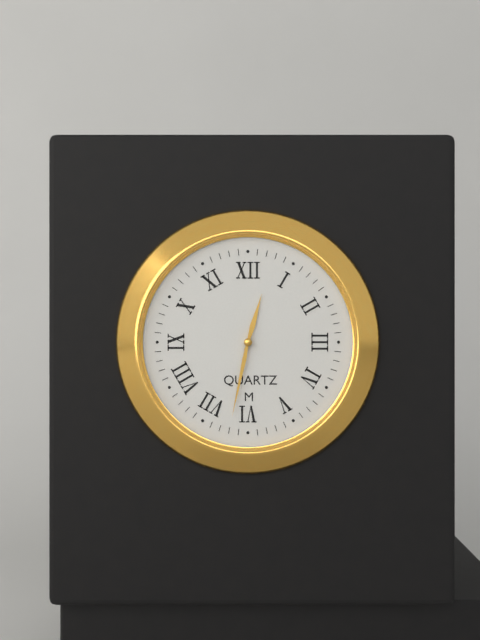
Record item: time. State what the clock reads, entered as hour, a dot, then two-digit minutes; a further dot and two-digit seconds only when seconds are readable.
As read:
12.32
